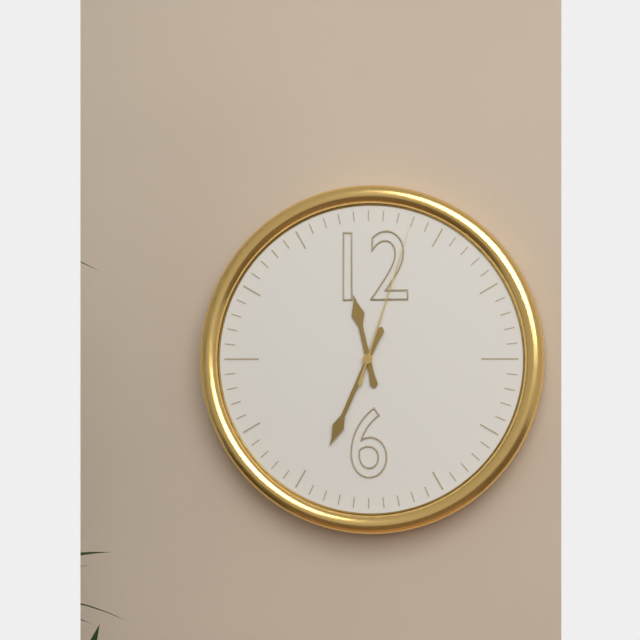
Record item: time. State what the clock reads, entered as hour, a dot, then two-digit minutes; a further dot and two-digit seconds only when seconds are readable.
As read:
11.34.03
